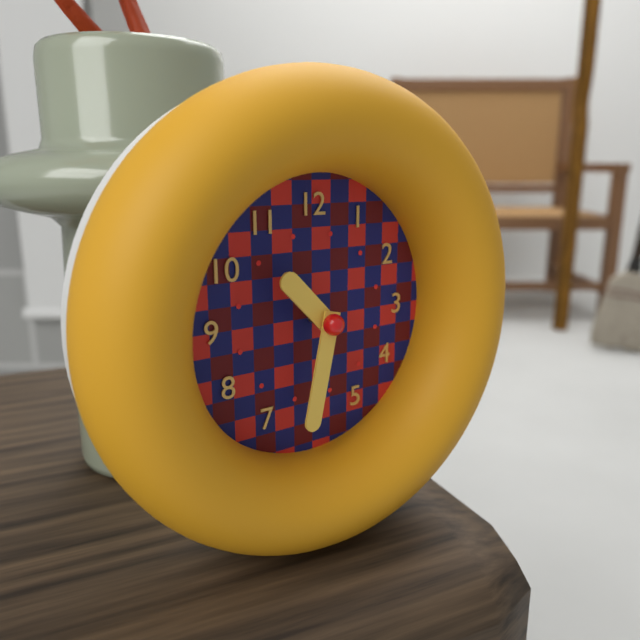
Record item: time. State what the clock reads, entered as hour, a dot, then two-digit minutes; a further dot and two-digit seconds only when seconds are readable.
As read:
10.32
